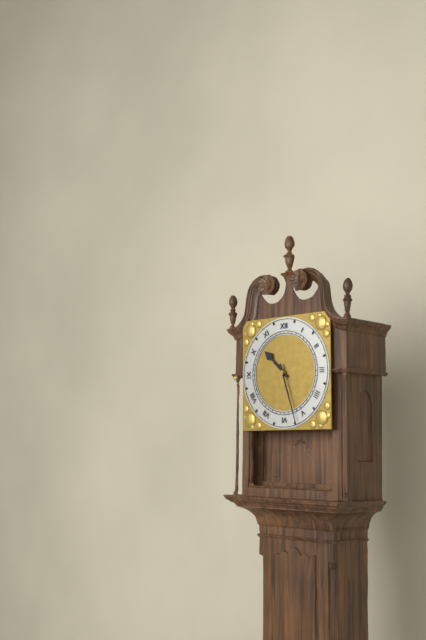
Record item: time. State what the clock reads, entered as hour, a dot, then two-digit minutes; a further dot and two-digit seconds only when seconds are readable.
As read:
10.27
